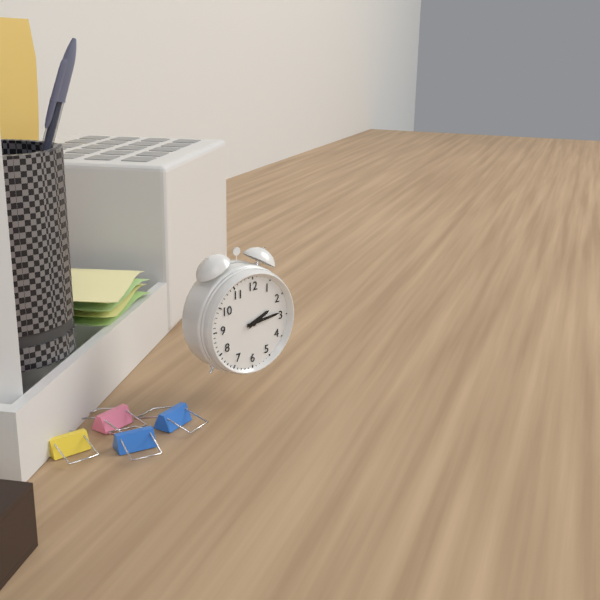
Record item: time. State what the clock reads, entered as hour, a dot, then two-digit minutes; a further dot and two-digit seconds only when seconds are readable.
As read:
2.14
